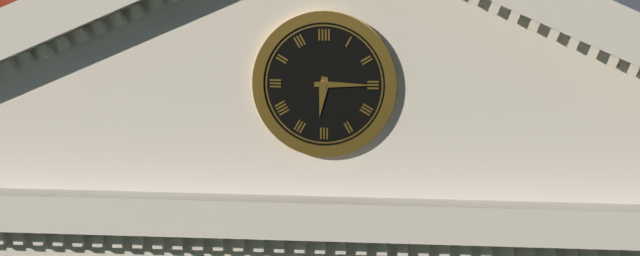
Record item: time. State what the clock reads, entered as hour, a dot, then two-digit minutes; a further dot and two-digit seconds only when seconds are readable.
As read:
6.15
